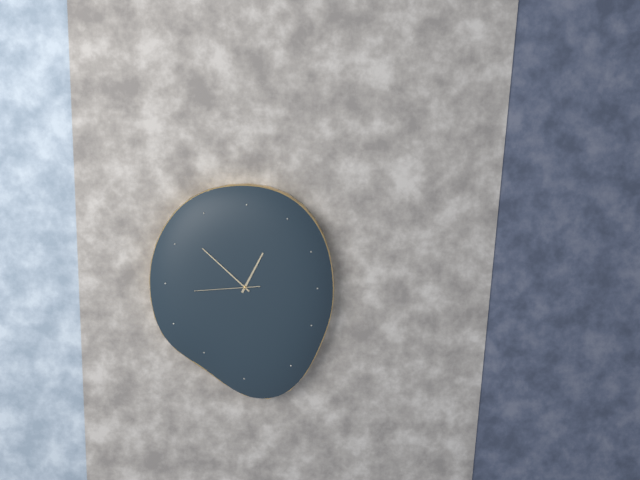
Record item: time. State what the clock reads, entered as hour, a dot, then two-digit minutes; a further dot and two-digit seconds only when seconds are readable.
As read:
12.52.44
